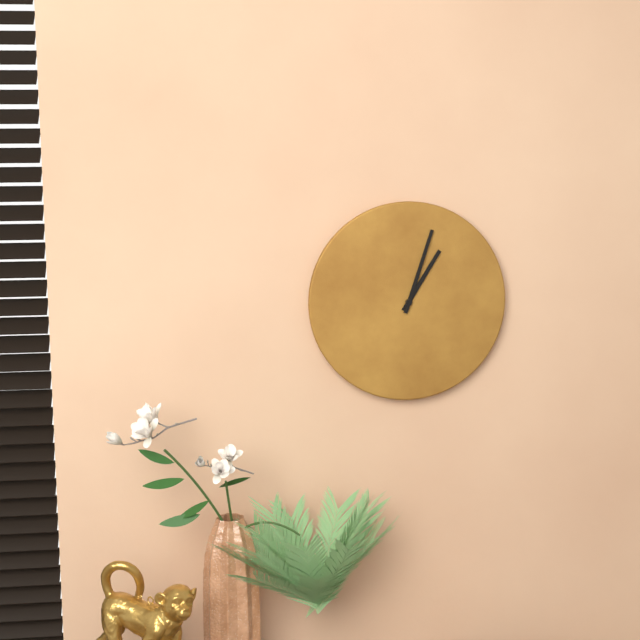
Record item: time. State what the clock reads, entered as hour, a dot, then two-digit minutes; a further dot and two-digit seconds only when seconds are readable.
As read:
1.03
